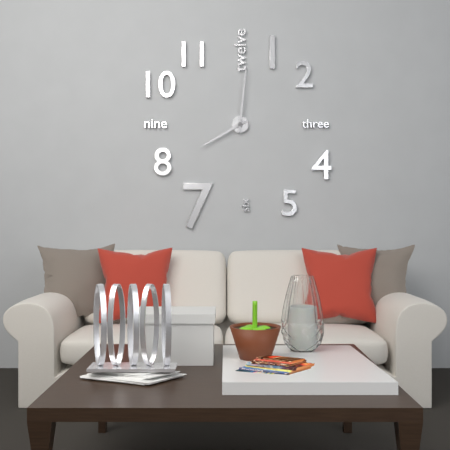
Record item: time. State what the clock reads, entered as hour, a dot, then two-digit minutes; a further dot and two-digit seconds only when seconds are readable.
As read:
8.01
